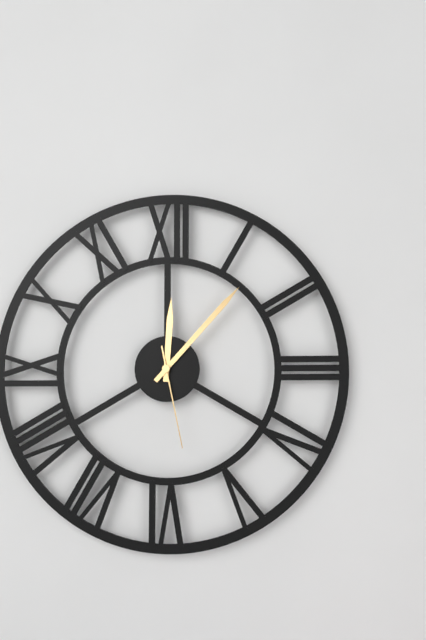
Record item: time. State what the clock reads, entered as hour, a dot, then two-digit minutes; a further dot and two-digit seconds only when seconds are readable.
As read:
12.07.28
